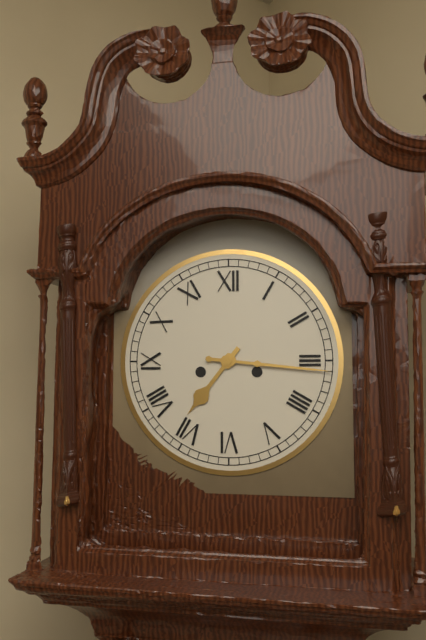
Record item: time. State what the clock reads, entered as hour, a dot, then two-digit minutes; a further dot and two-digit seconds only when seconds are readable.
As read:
7.16
